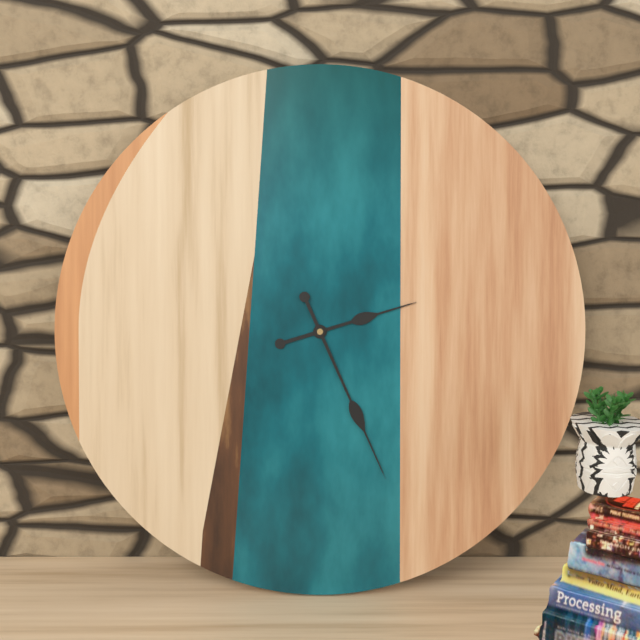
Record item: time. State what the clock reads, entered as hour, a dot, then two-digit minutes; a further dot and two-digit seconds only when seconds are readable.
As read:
2.26
